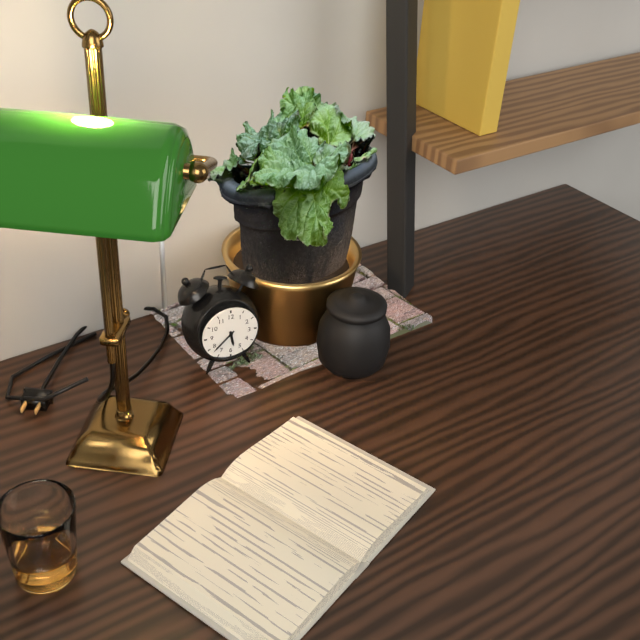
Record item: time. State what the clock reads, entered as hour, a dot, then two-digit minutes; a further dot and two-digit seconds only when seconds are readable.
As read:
5.38
